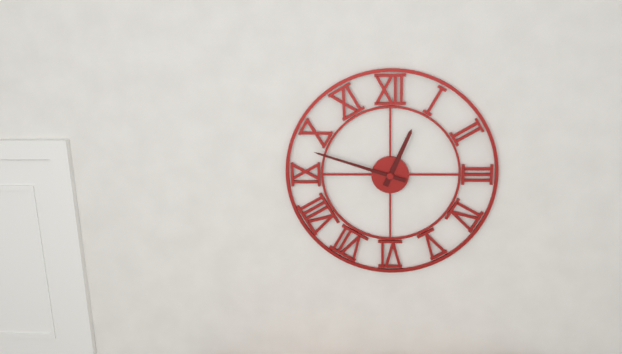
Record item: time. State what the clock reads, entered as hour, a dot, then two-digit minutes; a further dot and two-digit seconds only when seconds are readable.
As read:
12.48
